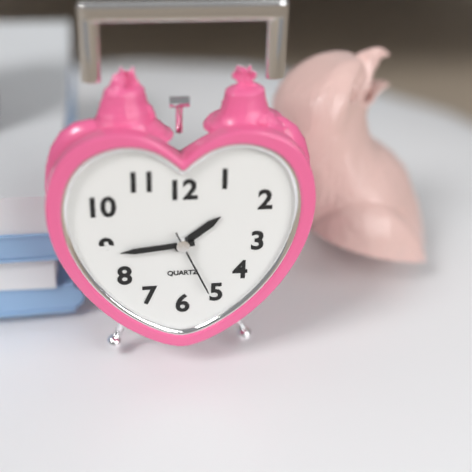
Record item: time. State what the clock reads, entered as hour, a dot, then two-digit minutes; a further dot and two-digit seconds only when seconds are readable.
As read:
1.44.26
